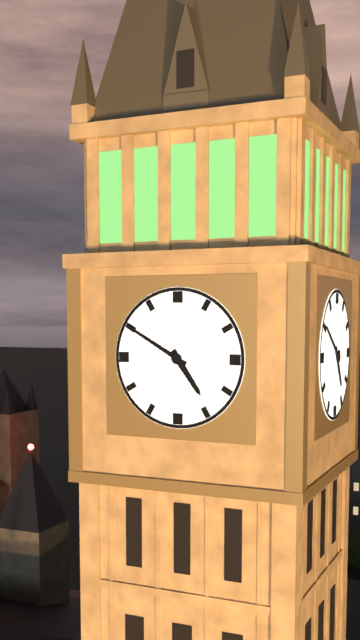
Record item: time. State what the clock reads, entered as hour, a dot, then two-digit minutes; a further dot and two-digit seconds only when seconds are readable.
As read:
4.50
